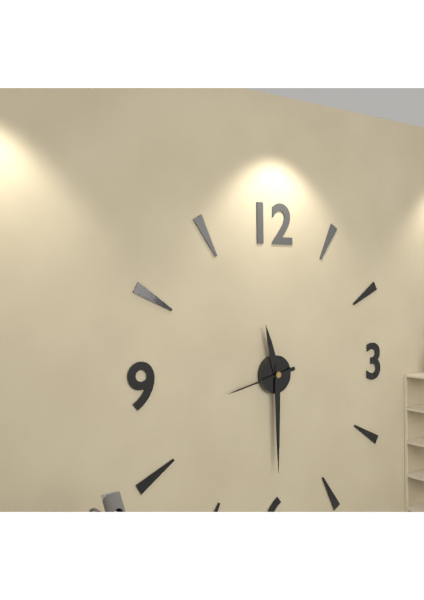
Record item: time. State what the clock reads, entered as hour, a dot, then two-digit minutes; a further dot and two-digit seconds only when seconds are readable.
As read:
11.30.43
